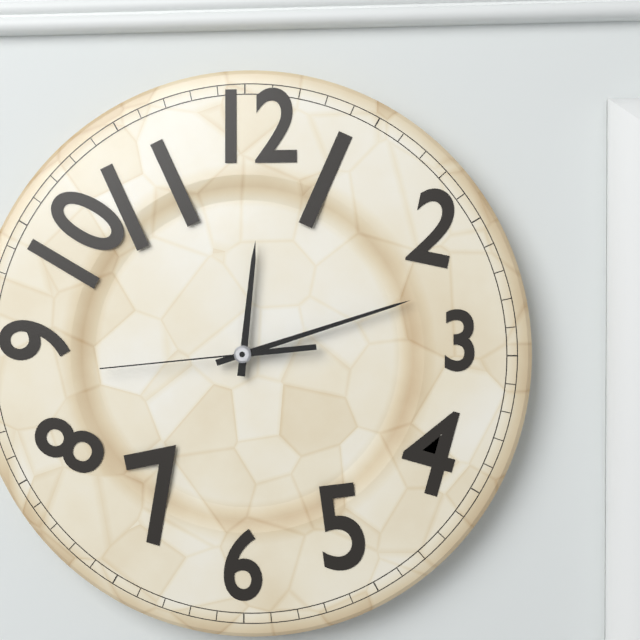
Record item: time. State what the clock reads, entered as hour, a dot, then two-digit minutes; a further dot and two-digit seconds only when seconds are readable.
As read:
12.12.44
